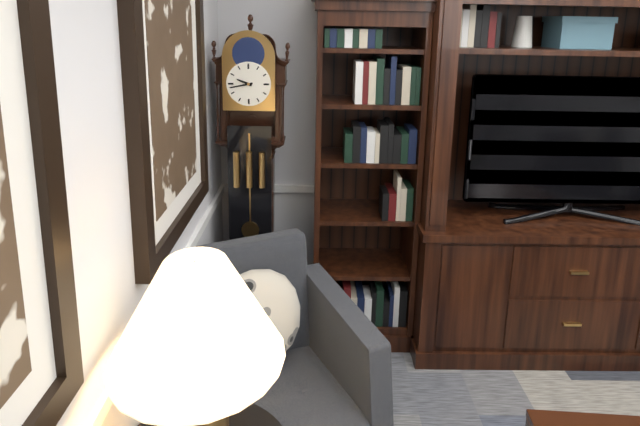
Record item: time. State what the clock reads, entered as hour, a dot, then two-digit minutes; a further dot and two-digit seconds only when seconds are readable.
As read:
9.43
